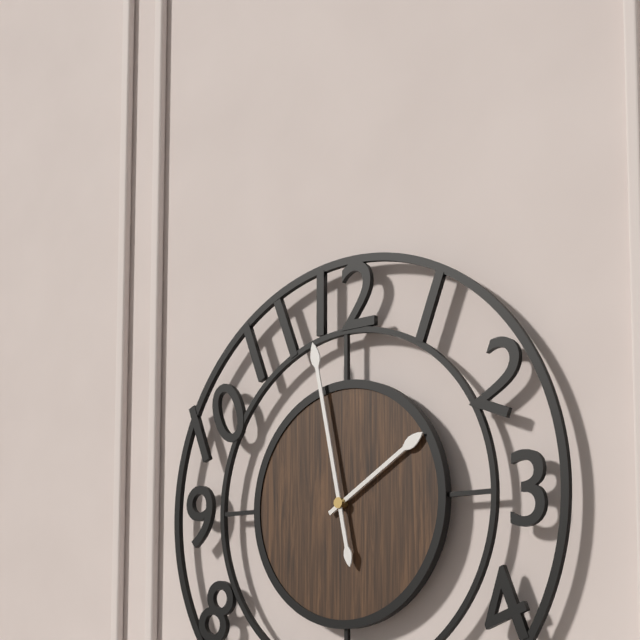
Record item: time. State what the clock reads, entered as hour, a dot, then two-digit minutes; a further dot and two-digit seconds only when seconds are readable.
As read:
1.58
